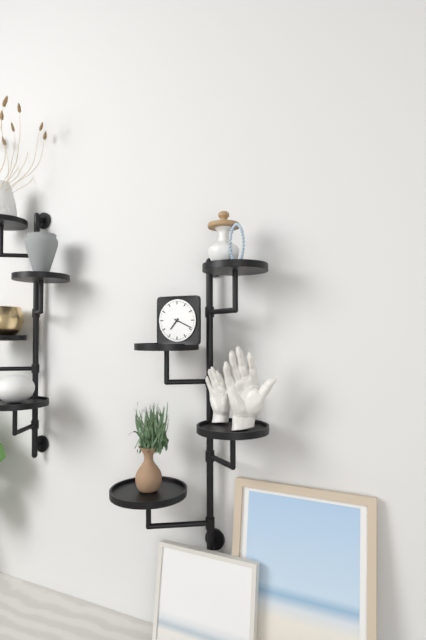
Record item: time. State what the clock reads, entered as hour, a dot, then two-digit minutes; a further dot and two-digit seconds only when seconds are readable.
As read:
7.19
